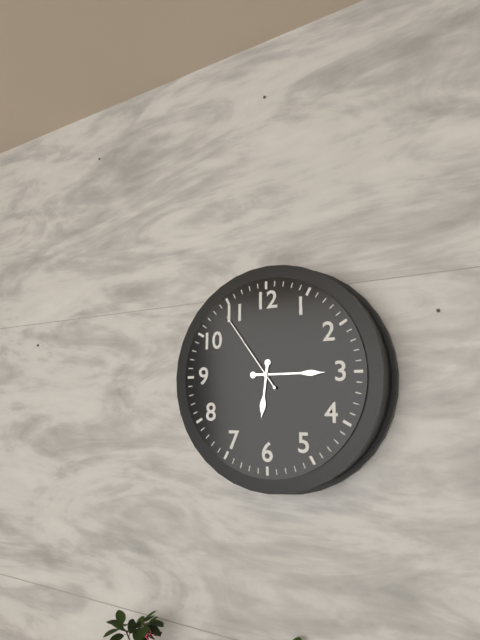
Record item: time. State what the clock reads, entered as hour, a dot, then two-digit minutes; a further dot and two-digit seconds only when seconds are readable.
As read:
6.15.54
